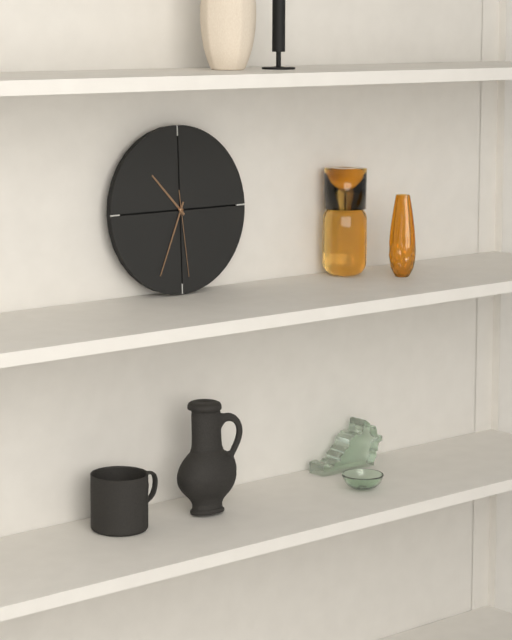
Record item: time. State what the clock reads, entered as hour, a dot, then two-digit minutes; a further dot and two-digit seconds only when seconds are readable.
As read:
10.34.29
